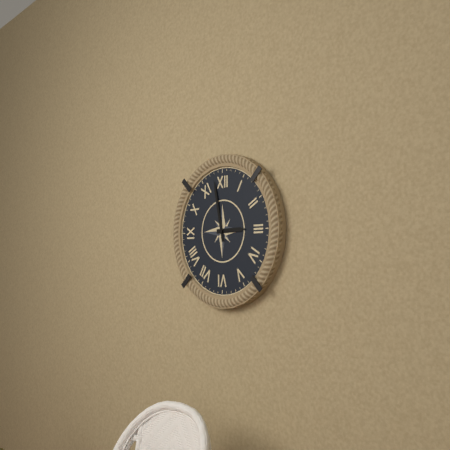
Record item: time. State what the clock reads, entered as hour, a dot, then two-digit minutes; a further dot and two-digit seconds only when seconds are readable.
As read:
2.58
